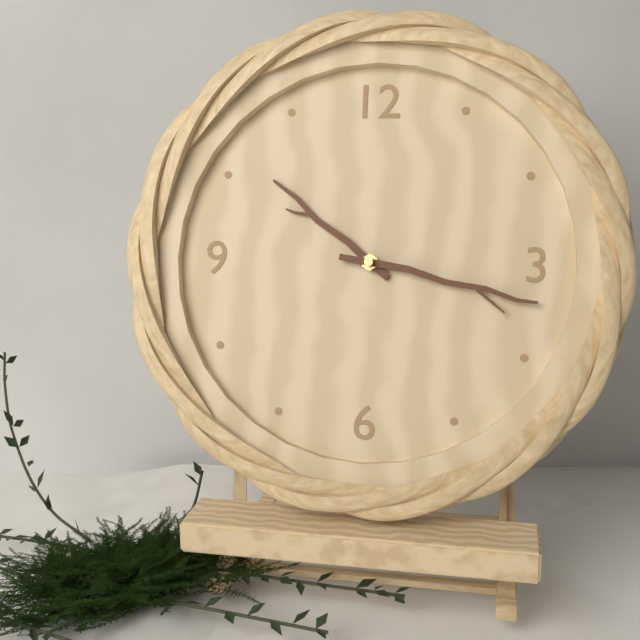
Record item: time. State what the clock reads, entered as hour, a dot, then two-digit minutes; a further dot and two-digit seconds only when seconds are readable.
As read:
10.17
